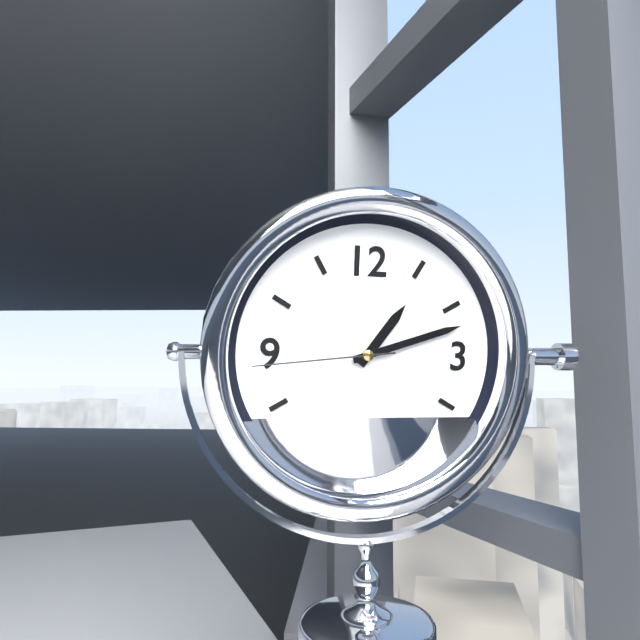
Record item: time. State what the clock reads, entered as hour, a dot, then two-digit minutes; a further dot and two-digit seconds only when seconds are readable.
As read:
1.12.44
